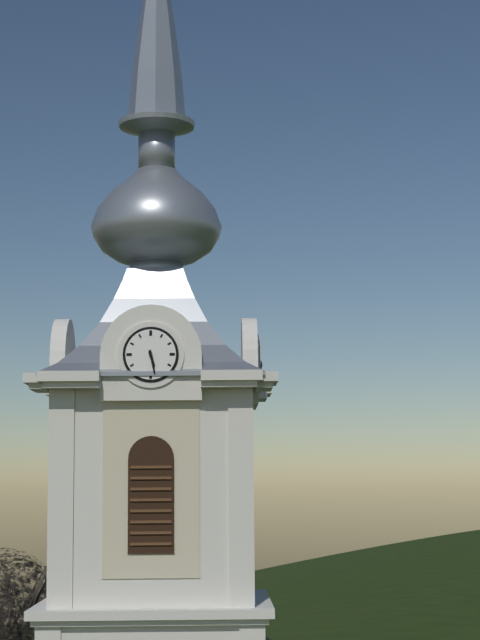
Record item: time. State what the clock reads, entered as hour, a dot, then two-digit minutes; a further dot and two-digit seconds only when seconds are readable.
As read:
5.28
